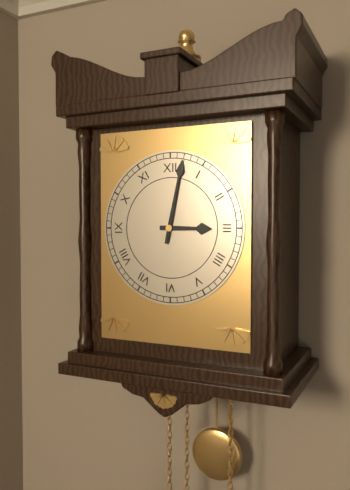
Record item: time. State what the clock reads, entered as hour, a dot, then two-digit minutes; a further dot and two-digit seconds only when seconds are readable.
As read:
3.02
